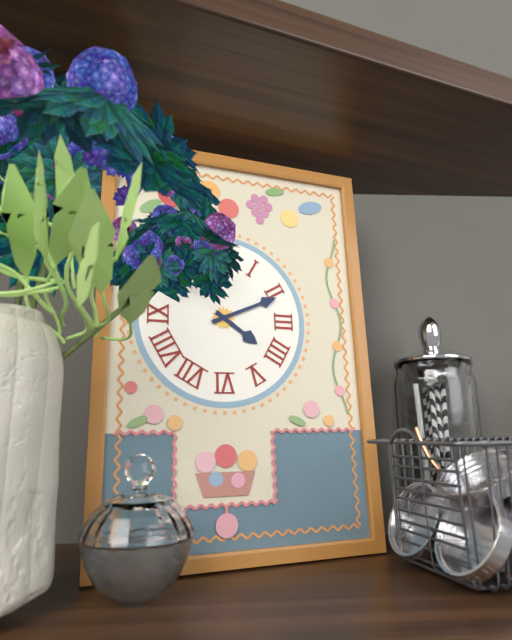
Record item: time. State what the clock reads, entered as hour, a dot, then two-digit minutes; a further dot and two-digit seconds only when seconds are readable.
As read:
4.11
